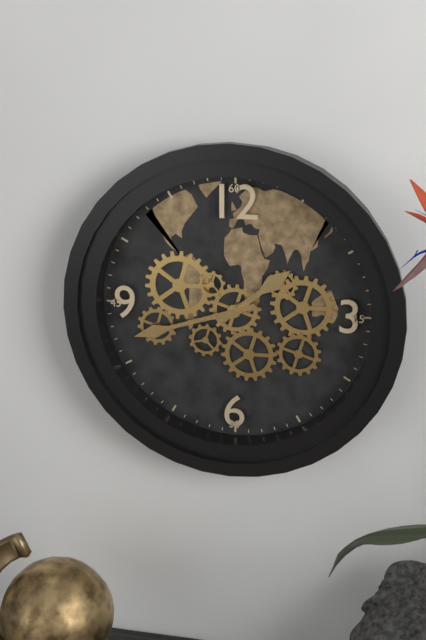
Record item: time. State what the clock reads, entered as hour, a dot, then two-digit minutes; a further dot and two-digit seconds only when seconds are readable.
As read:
1.42
